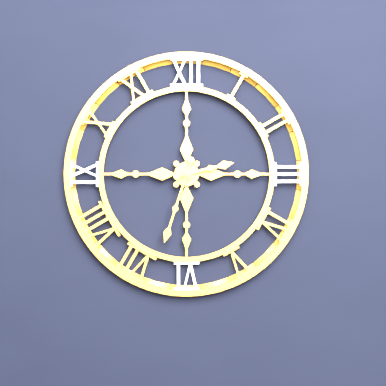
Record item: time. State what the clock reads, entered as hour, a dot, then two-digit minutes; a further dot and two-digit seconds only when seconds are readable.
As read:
2.33
